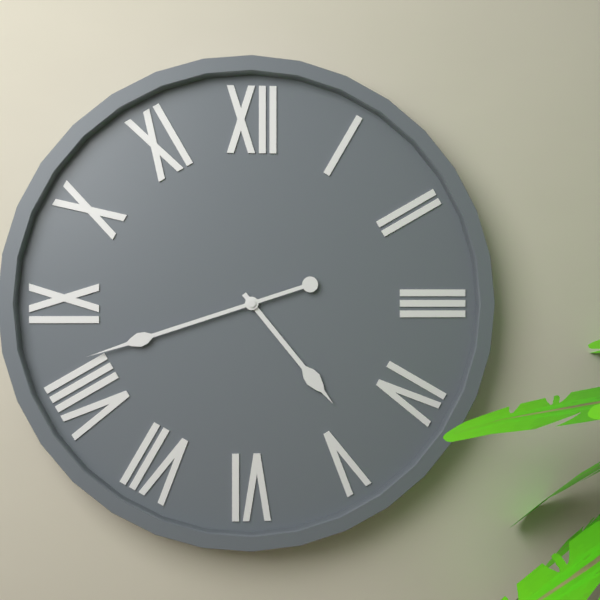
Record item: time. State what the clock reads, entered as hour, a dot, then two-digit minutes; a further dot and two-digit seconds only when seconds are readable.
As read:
4.42
